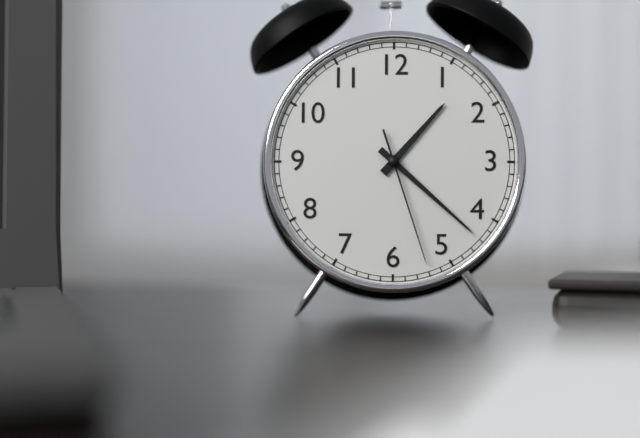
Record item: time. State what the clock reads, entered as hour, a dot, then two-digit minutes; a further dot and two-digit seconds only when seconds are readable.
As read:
1.22.27
